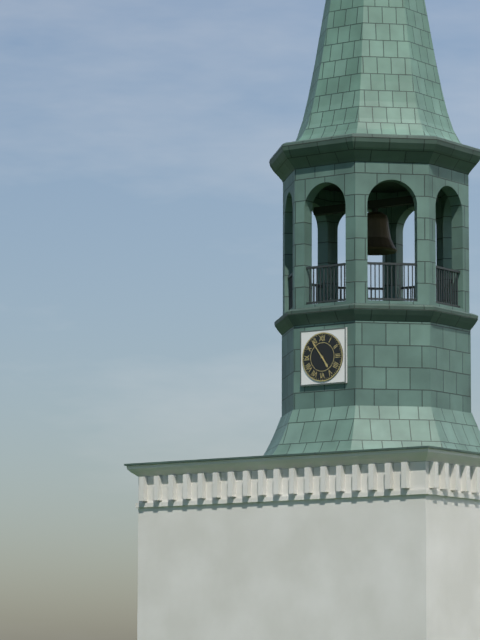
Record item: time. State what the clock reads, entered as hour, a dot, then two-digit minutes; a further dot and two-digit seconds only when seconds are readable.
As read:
4.54
